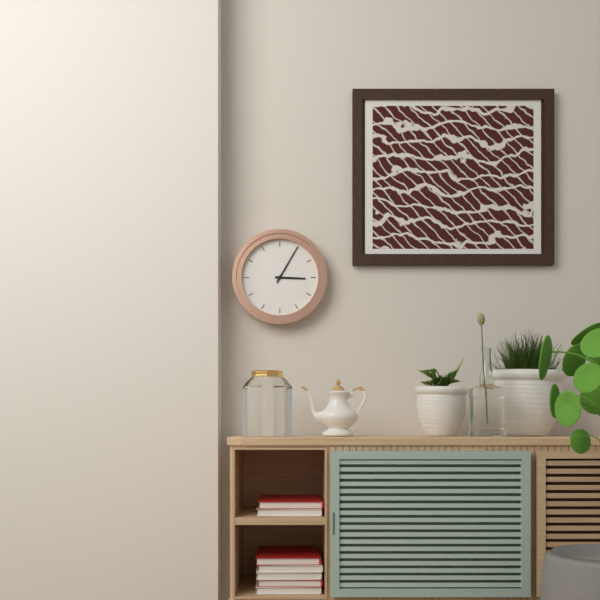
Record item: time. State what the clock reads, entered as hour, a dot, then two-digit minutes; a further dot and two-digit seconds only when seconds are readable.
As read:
3.05
